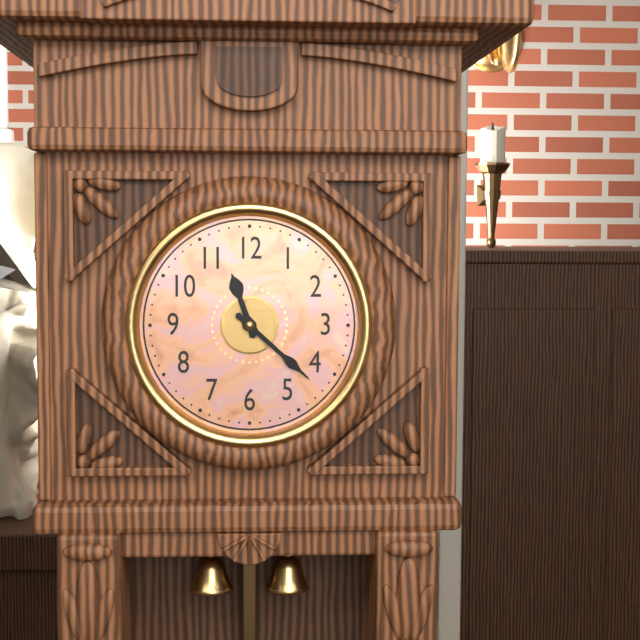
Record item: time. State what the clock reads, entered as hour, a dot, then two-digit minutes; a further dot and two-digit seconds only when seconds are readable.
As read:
11.22
